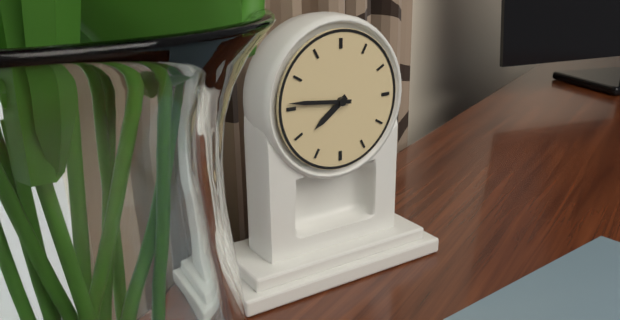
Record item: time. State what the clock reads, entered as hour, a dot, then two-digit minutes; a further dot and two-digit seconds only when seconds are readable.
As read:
7.46
